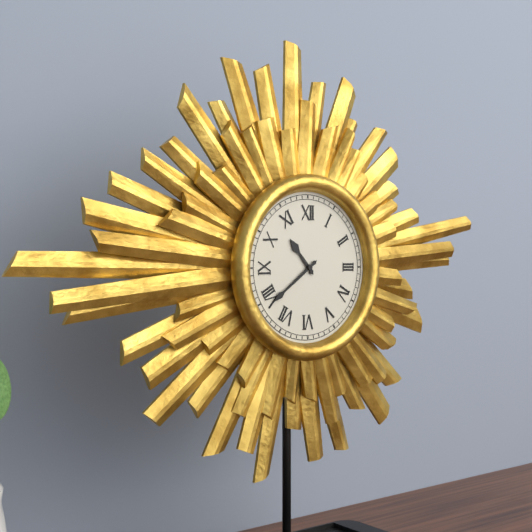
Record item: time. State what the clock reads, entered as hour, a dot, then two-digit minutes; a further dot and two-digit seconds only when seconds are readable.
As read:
10.39
